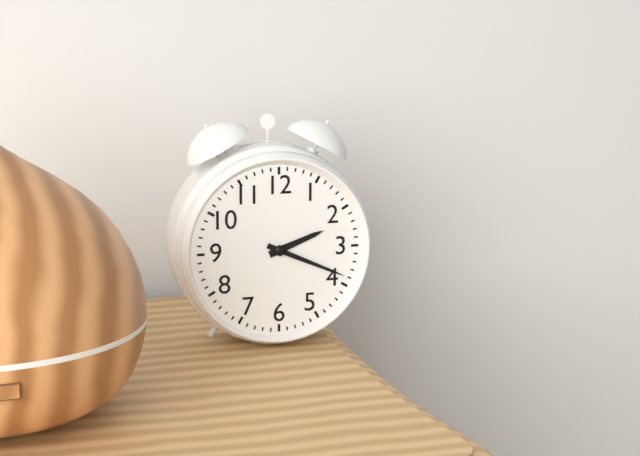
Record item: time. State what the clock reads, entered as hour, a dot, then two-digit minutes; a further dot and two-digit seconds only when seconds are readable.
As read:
2.19
